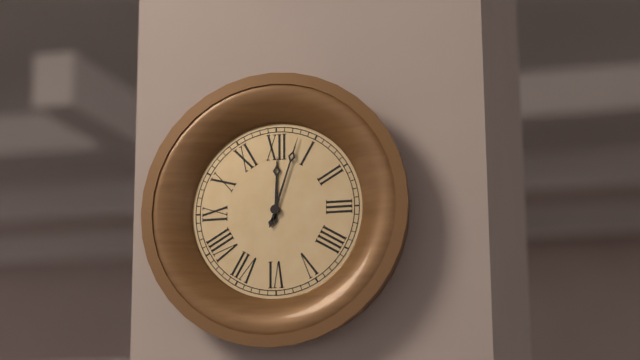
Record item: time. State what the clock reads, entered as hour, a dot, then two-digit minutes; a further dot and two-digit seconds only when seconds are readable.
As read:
12.03
